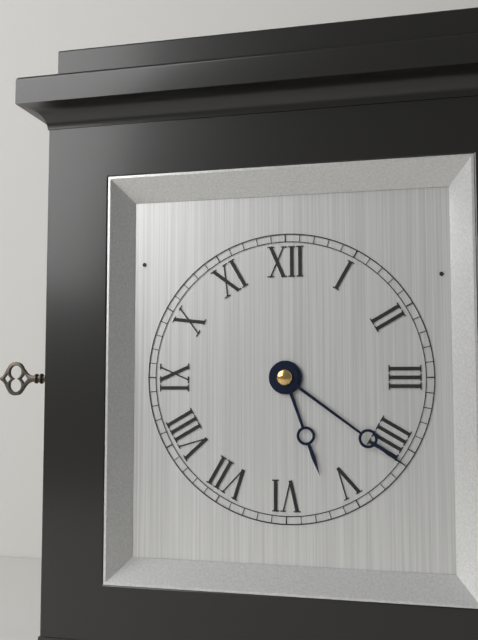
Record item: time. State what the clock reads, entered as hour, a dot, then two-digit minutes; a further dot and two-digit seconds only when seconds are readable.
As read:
5.21
